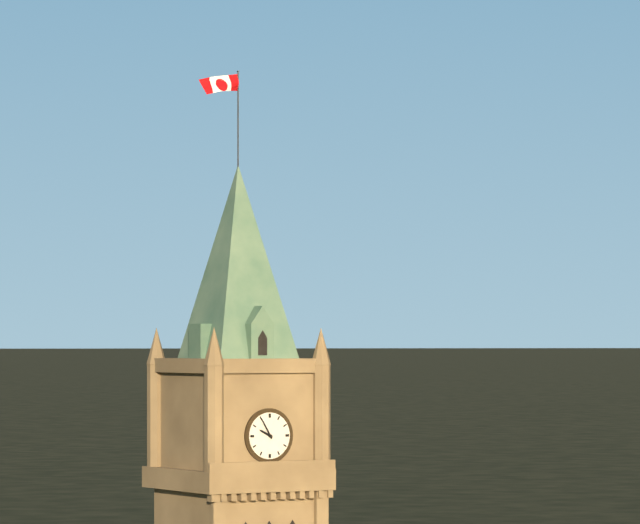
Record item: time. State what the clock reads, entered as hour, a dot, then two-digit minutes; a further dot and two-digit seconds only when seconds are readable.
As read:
9.55
